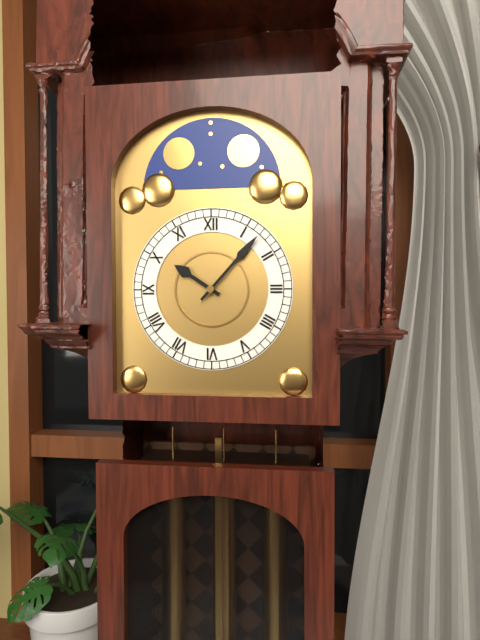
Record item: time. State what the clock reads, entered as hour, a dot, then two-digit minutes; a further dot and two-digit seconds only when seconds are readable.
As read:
10.07
